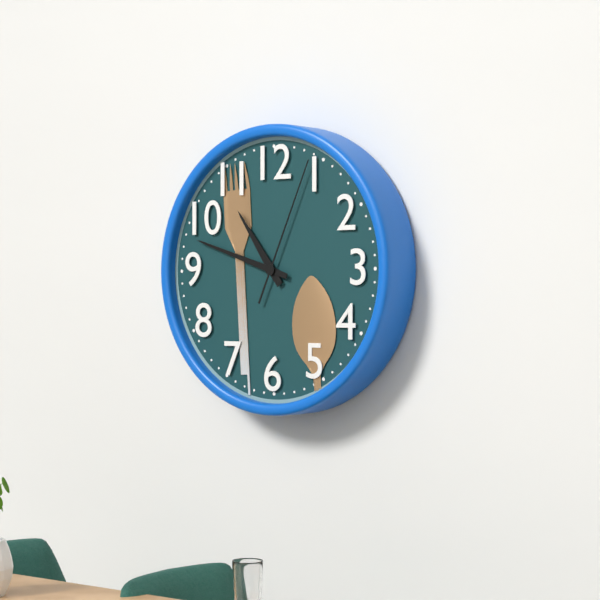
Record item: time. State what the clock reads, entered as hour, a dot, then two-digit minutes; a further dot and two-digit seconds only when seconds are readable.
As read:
10.48.04
